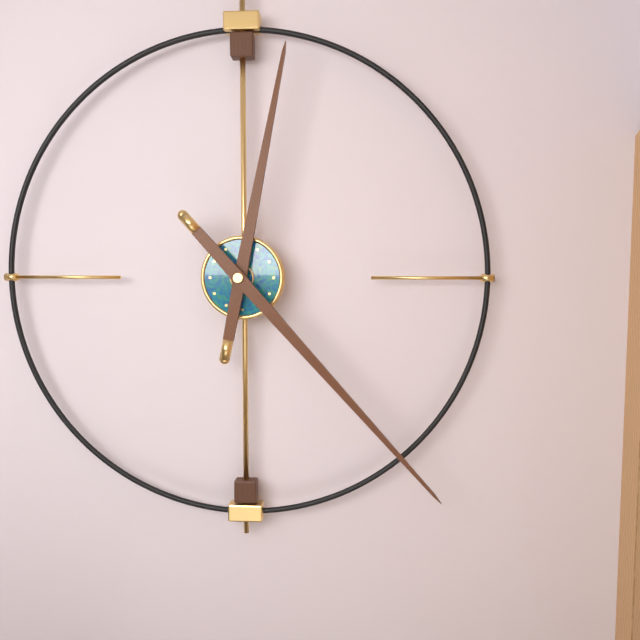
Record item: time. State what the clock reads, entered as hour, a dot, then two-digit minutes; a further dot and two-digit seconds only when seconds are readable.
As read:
12.23
